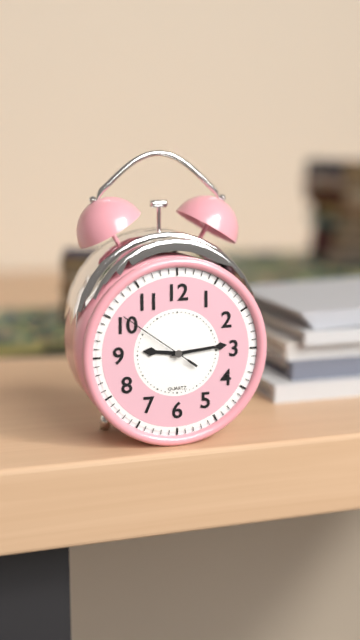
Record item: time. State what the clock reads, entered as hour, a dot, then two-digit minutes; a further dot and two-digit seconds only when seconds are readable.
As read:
9.14.51
